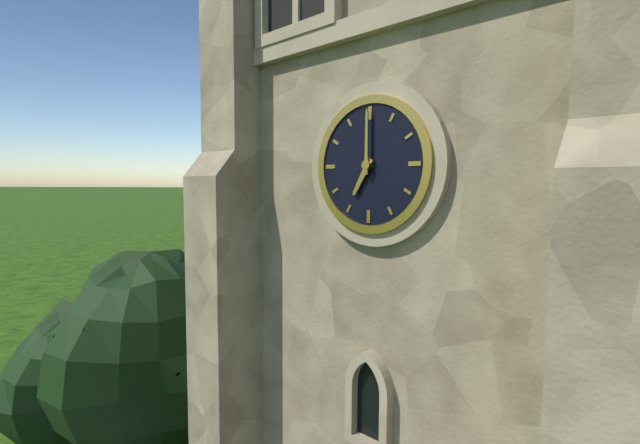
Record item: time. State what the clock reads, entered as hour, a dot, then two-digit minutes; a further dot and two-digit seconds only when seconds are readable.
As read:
7.00
